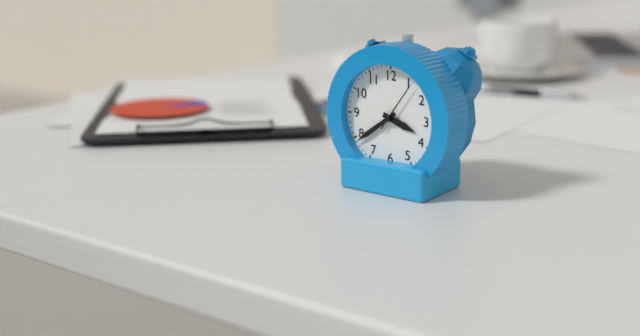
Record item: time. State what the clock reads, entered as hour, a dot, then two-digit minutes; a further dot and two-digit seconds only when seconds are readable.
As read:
3.39.06
